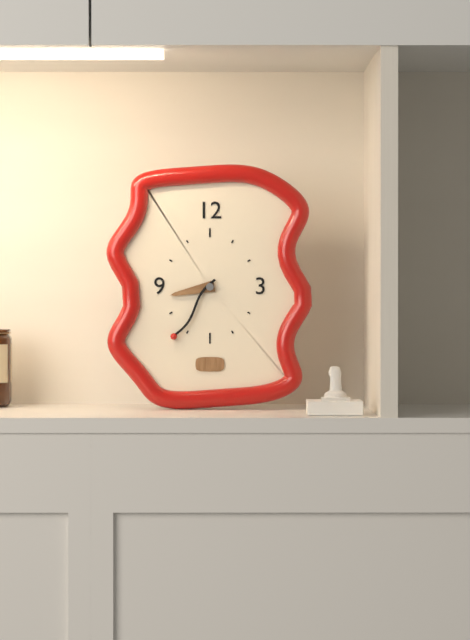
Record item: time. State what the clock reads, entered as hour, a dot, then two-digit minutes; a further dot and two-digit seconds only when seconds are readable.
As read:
8.36
